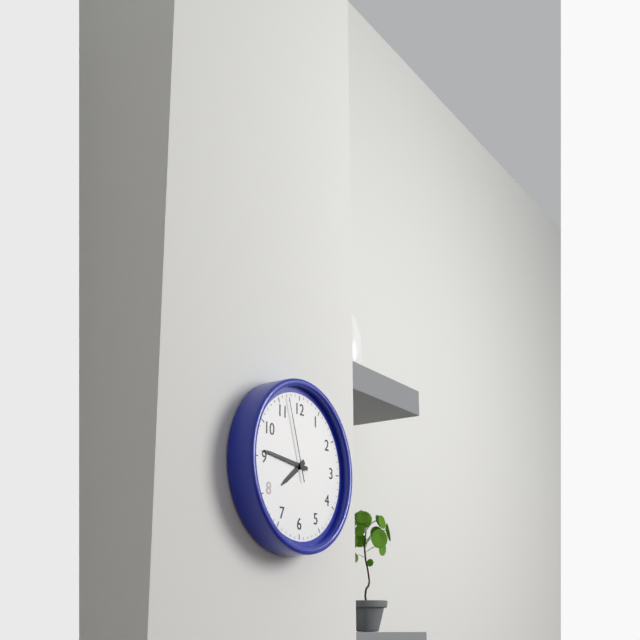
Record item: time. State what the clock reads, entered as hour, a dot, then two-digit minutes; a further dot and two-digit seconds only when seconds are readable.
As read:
7.46.57
